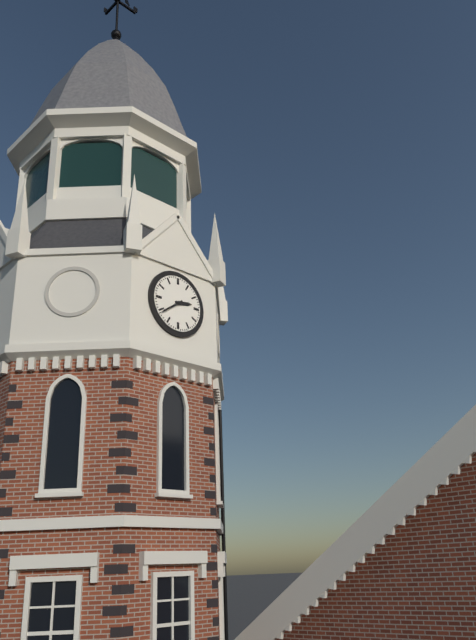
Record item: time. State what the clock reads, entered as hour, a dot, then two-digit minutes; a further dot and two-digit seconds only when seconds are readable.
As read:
2.39
